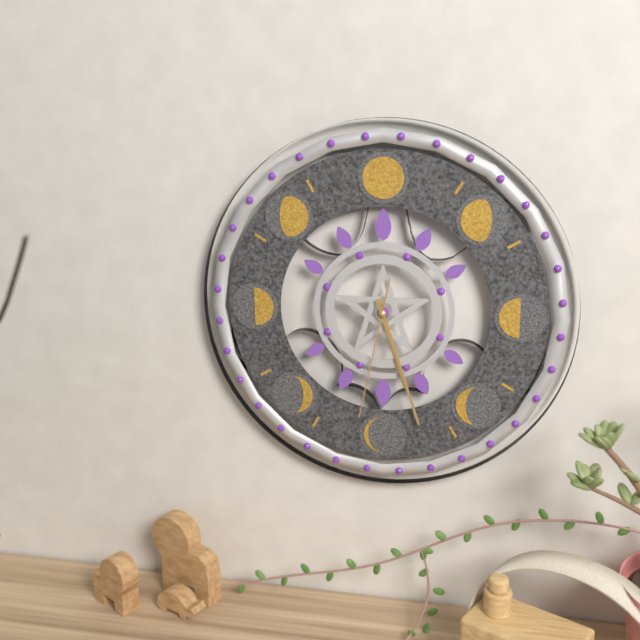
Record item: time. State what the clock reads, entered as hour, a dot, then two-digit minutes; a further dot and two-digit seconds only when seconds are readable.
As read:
5.27.32
